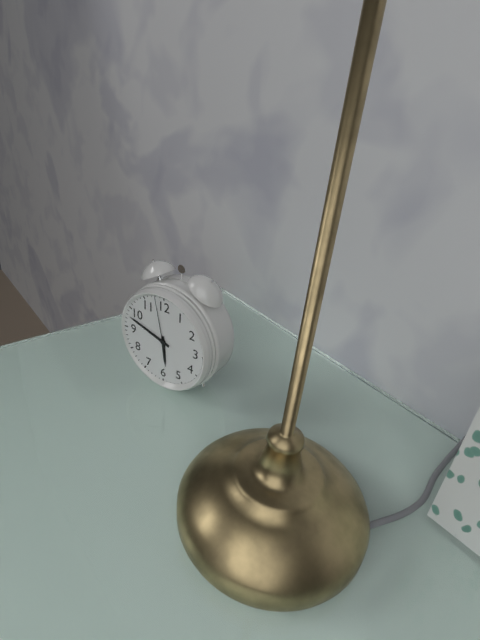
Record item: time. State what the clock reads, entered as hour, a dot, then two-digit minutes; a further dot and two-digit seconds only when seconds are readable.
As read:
5.48.58
